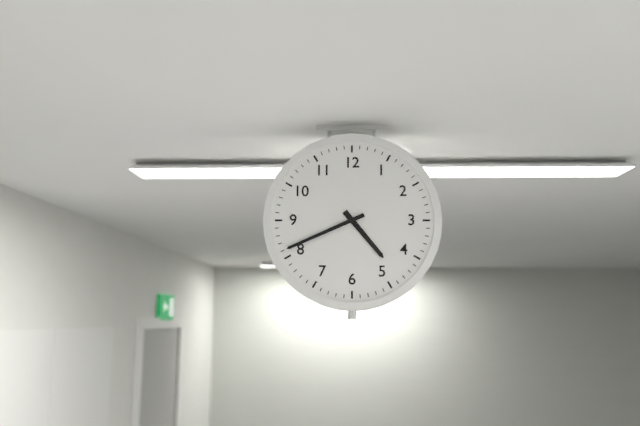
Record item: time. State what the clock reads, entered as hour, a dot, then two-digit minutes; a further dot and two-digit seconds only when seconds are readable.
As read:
4.41
